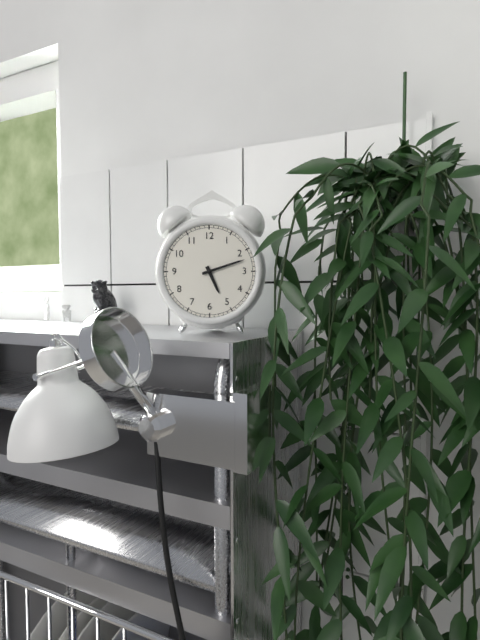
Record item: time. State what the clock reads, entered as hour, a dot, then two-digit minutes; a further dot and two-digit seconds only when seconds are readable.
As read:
5.12
